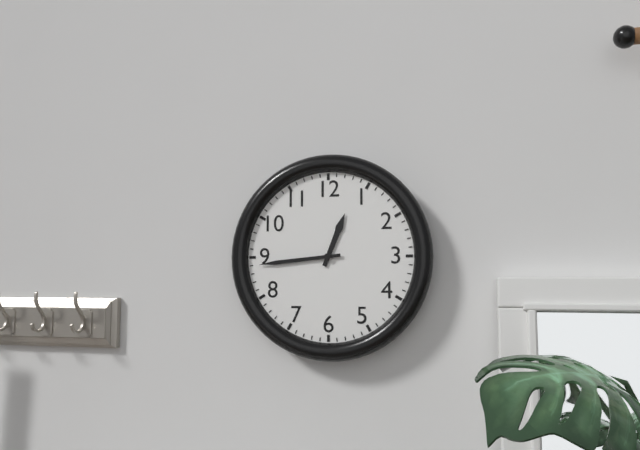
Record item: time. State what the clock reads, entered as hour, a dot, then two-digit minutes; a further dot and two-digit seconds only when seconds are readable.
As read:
12.44
